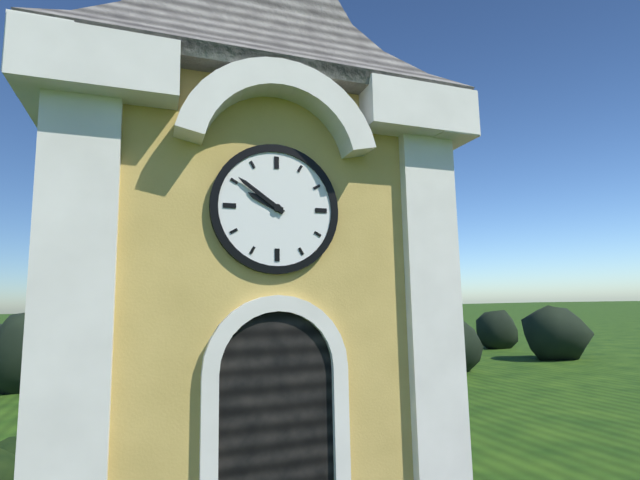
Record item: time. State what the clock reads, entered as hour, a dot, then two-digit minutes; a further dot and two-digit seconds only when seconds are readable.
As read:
9.51
